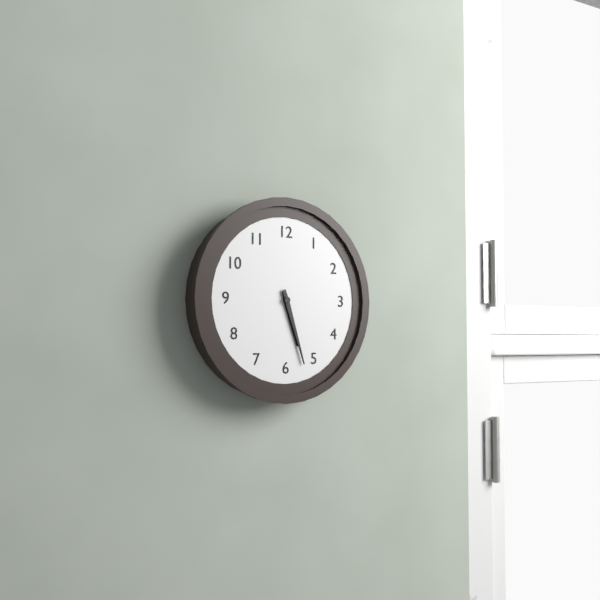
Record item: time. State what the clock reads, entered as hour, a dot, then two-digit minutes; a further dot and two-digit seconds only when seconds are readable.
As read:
5.27
